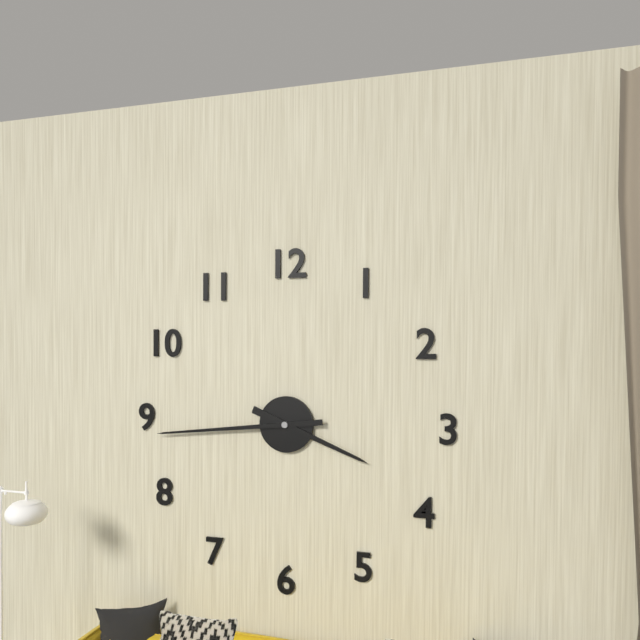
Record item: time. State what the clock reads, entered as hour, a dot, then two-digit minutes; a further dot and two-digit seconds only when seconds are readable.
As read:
3.44
